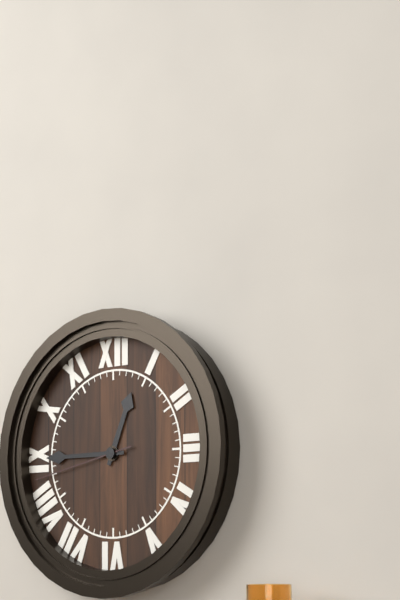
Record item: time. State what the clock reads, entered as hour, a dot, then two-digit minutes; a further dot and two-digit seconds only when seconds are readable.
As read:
12.45.43
